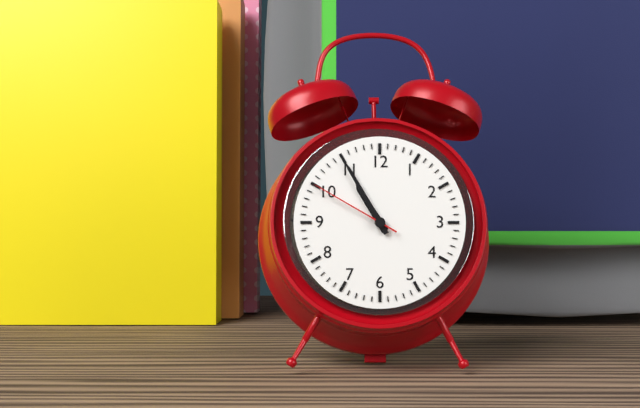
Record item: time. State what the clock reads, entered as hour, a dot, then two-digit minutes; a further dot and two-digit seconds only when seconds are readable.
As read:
10.55.50
